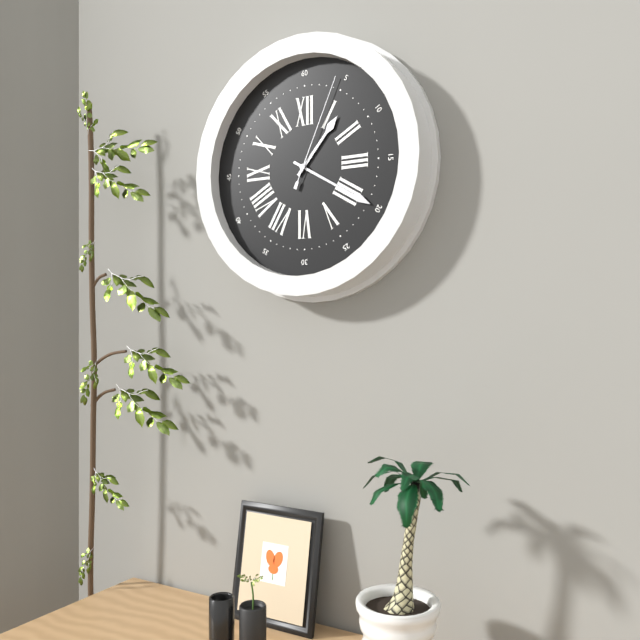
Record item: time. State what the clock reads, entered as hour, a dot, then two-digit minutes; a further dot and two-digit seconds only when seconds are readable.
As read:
1.20.04
